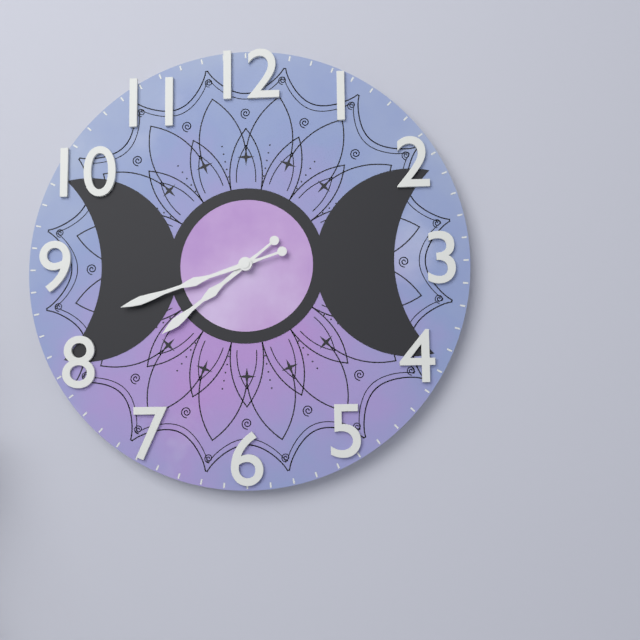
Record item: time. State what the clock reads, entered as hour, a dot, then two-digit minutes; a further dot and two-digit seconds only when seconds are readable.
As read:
7.42
